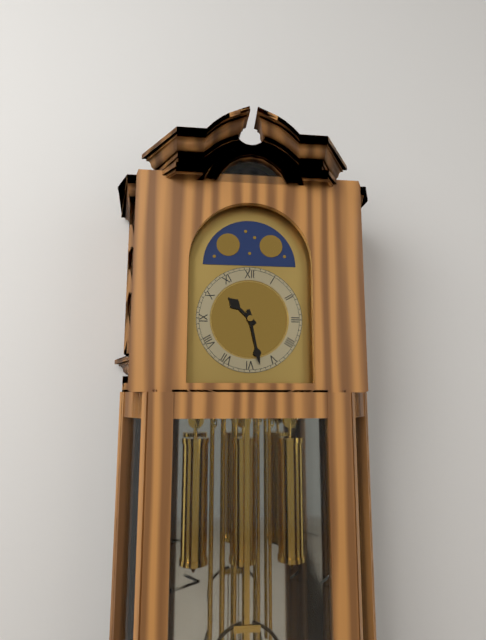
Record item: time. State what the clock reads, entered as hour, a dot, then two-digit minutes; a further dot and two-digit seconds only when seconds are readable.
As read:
10.28
